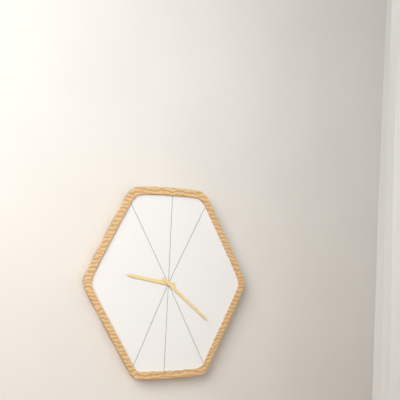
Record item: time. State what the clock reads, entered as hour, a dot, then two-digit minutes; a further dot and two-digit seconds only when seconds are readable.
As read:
9.22
